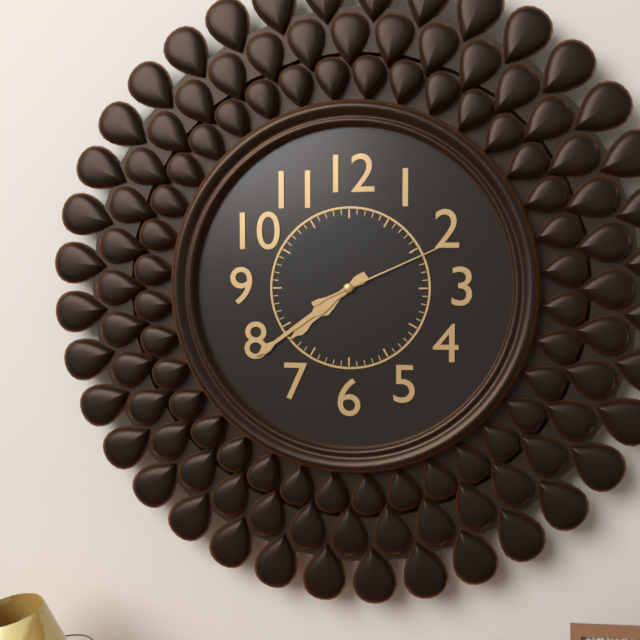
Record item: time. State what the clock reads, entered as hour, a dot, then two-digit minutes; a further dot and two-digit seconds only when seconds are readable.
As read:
7.39.11
